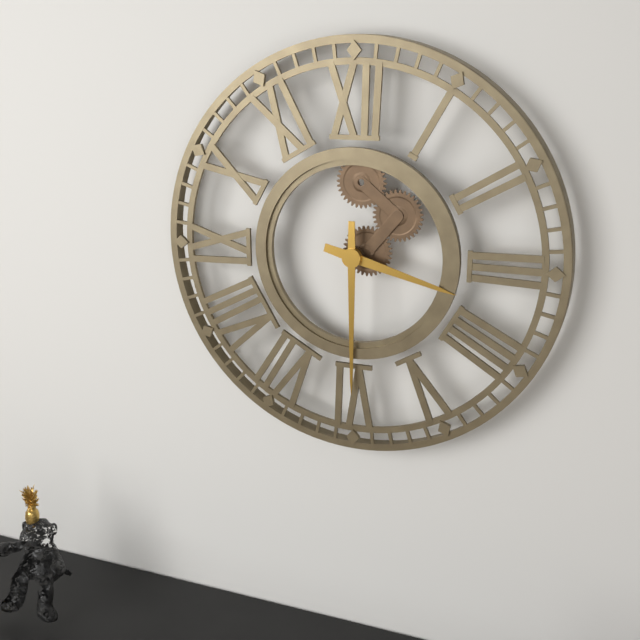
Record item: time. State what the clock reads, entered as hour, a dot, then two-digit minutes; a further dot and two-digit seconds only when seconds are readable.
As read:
3.30
